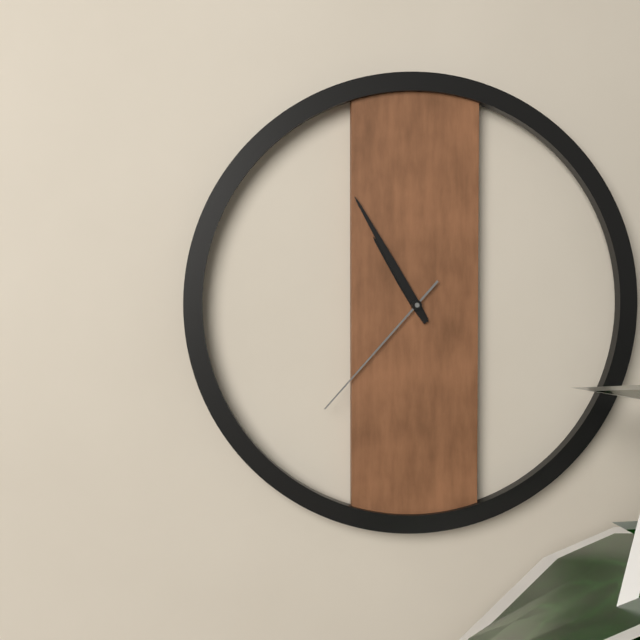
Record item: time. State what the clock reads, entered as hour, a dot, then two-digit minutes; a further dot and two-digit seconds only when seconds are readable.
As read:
10.55.37
